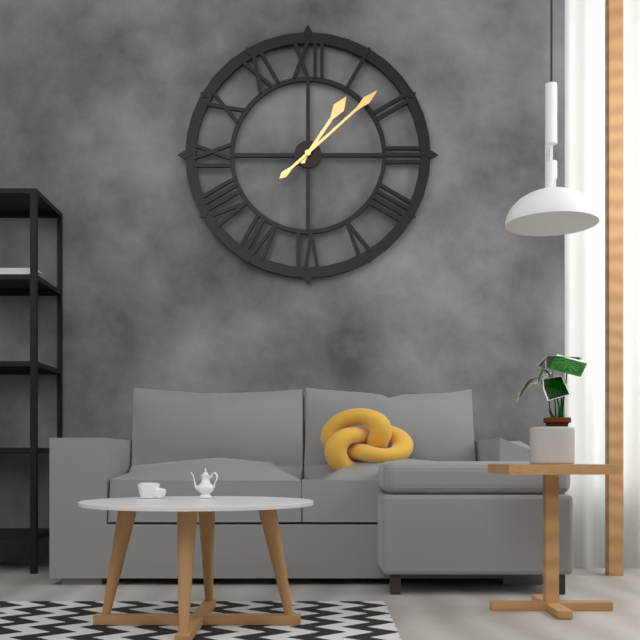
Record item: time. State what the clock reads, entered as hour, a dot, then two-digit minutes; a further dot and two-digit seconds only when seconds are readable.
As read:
1.08
